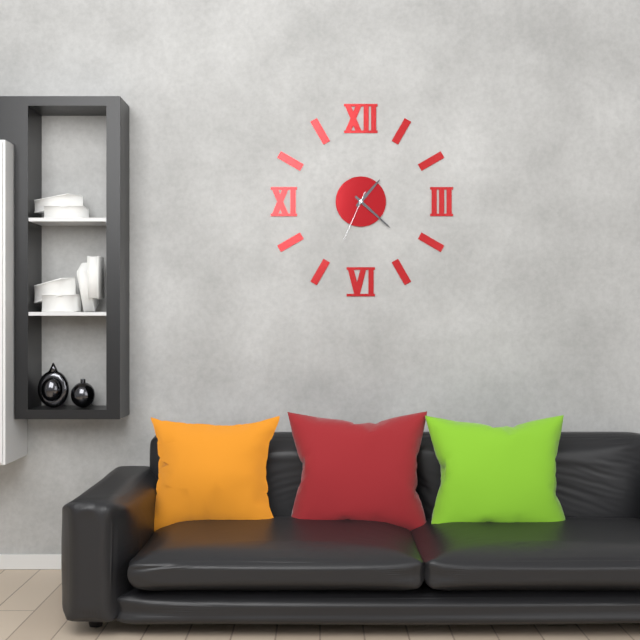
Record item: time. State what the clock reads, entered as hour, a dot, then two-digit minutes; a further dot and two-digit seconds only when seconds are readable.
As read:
1.22.34
